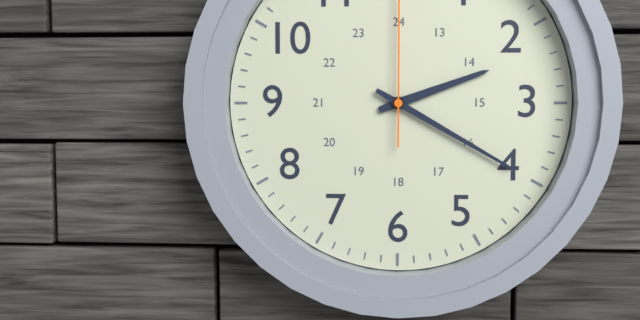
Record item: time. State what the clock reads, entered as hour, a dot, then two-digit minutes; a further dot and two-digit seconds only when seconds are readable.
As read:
2.20
